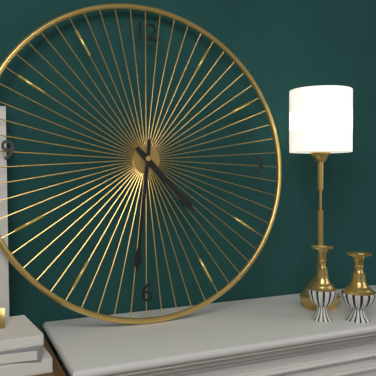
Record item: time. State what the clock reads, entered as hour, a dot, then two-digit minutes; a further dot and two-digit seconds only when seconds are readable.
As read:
4.31
